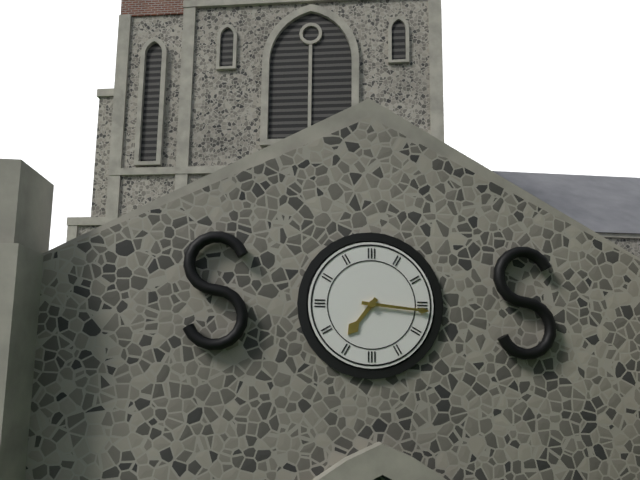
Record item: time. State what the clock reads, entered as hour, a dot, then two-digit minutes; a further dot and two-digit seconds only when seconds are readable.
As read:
7.16
